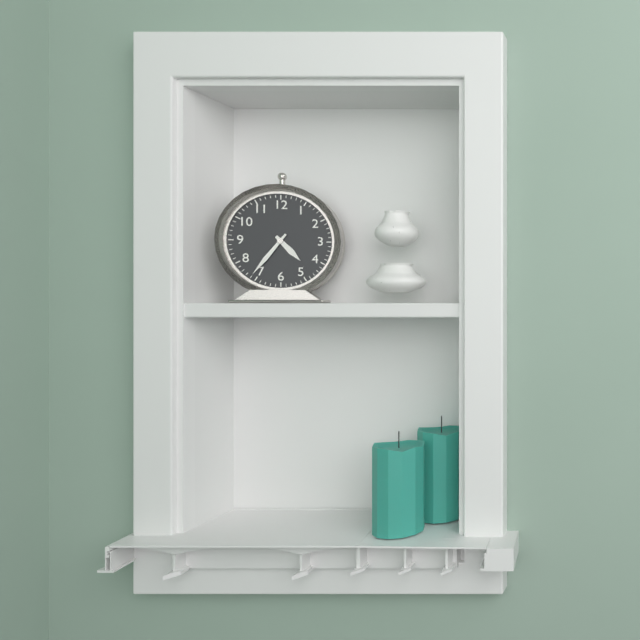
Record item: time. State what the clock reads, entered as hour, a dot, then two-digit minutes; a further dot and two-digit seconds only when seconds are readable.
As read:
4.36
